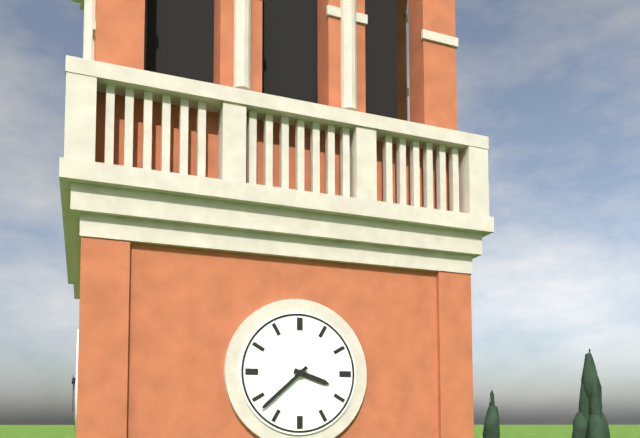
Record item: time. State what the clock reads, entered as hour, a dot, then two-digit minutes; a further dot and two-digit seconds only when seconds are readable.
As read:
3.38
